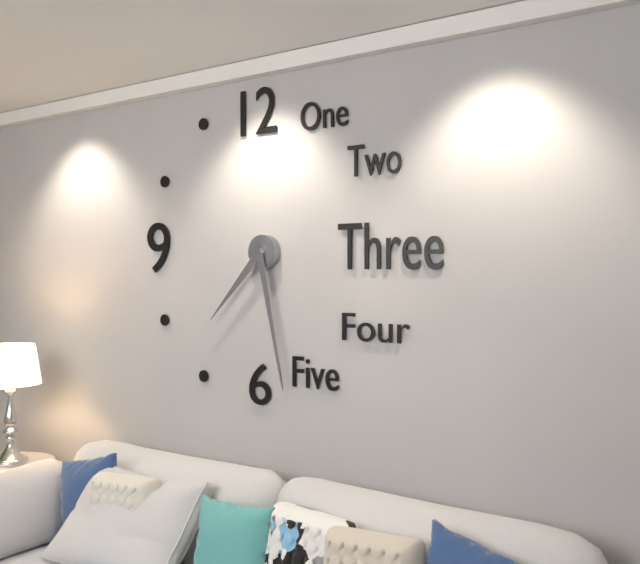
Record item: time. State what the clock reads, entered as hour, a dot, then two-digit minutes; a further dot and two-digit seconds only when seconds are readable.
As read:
7.28
